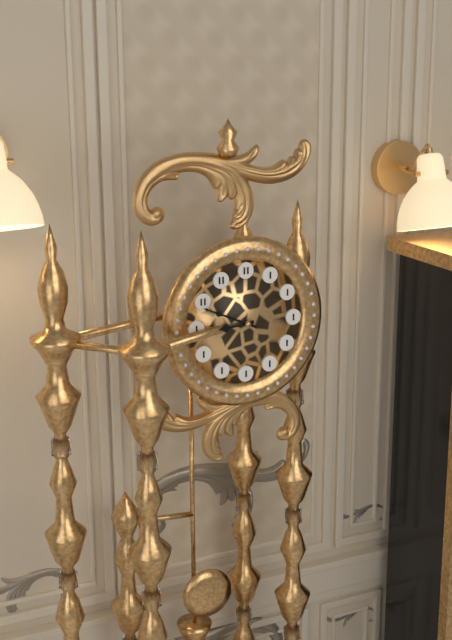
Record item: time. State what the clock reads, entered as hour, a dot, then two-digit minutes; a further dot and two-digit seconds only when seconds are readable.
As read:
8.49
